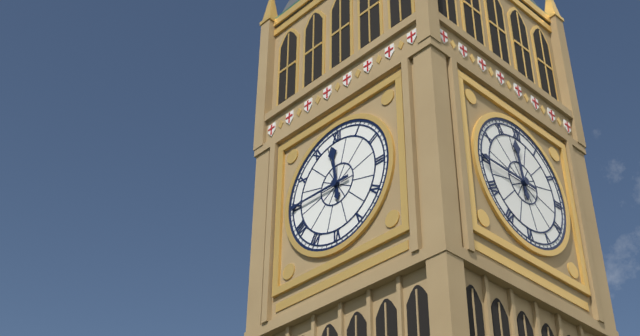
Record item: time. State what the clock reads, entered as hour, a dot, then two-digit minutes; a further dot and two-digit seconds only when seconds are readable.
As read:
11.45
